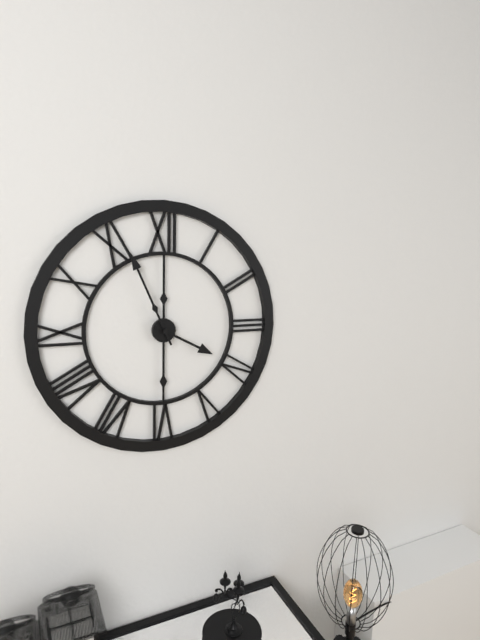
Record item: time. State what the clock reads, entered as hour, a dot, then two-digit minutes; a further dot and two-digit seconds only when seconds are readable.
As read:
3.56
